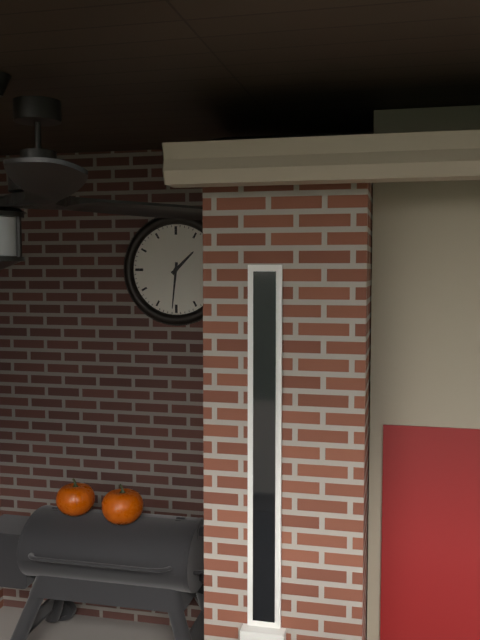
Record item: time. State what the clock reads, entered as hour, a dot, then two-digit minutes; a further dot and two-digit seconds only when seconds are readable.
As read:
1.31
